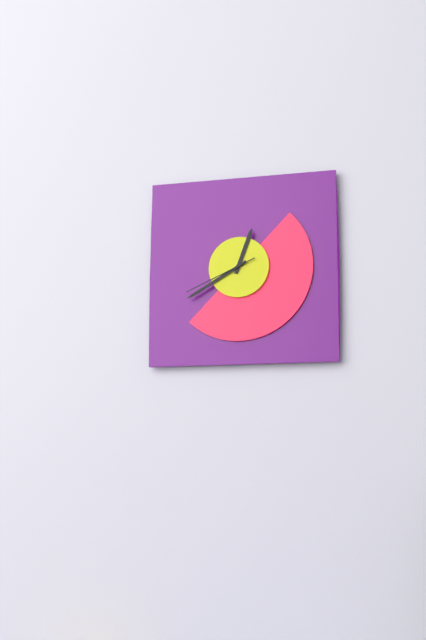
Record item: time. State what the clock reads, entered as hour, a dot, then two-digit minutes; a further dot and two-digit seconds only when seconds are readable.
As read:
12.40.41
